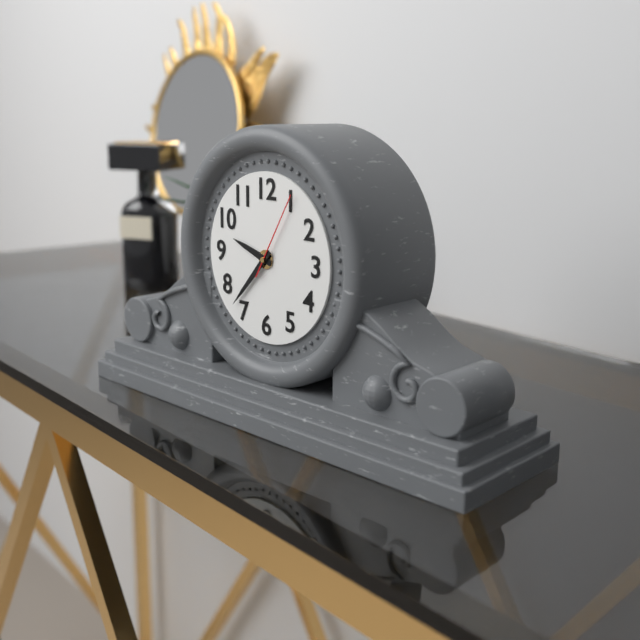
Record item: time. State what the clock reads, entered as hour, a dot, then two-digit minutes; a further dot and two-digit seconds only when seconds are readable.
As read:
9.37.05
